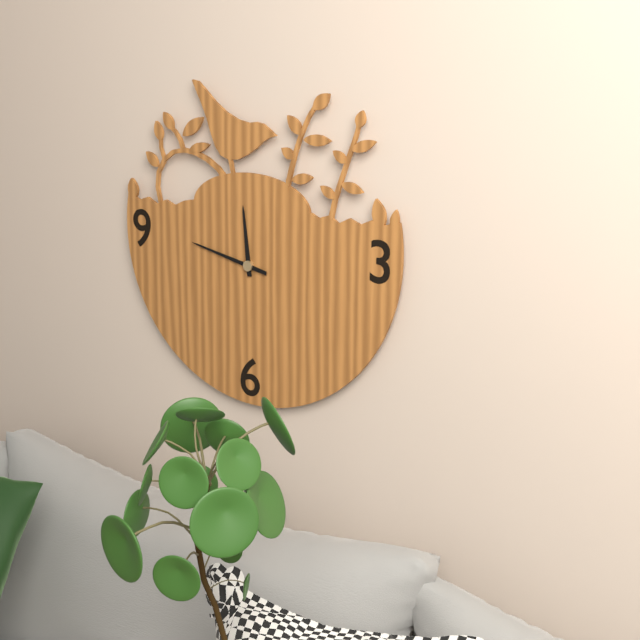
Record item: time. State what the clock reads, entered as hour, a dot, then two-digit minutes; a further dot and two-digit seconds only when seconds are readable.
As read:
11.47
